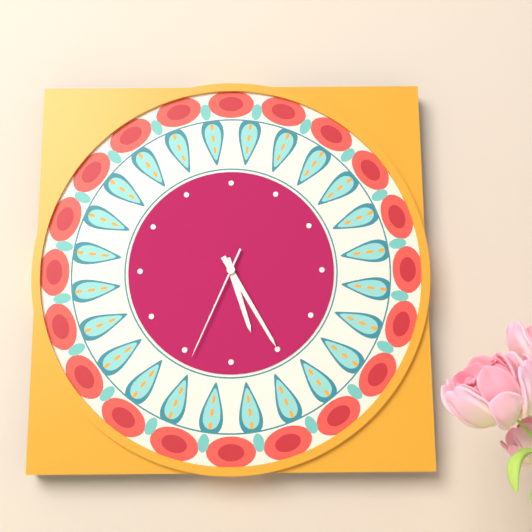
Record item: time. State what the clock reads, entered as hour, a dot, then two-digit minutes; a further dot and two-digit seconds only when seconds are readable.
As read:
5.25.34
